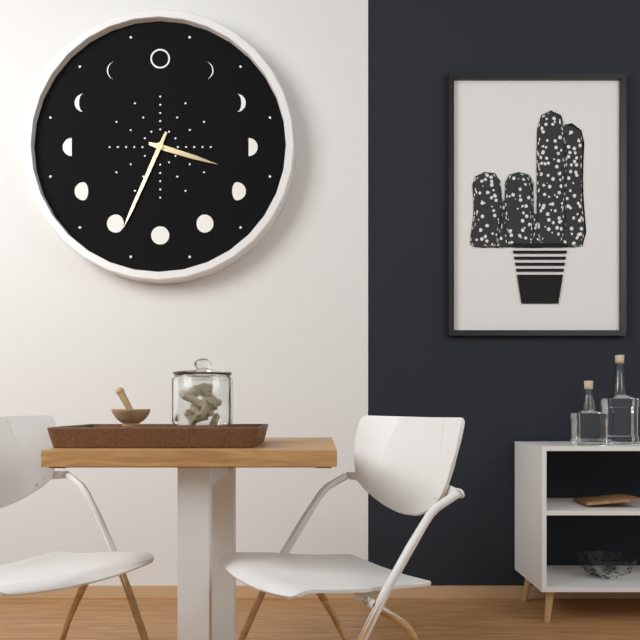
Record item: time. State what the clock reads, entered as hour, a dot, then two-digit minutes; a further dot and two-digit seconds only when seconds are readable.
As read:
3.34
